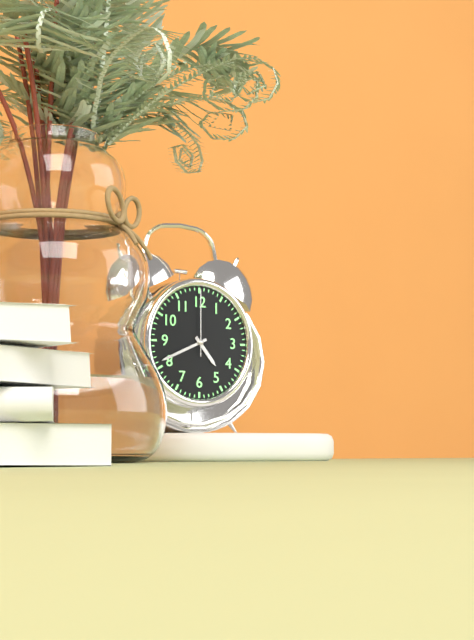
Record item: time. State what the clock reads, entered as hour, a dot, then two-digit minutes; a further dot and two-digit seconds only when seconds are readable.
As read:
4.41.00
